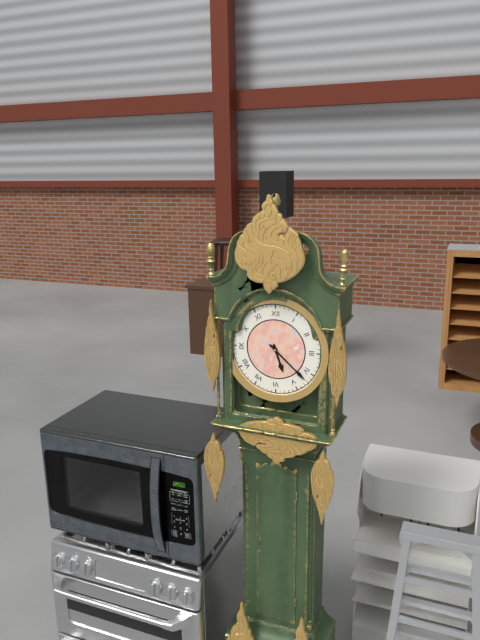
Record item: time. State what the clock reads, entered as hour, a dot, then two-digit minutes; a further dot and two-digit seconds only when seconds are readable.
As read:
5.22
